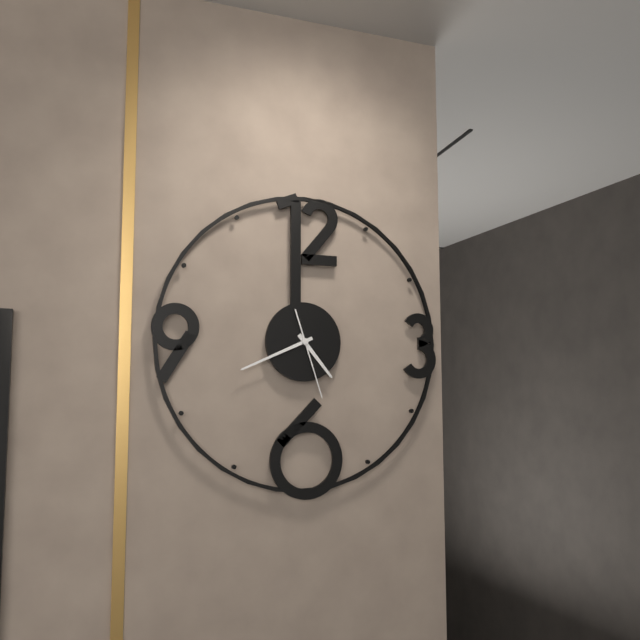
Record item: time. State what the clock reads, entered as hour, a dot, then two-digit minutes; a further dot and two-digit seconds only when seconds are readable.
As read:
4.41.27
